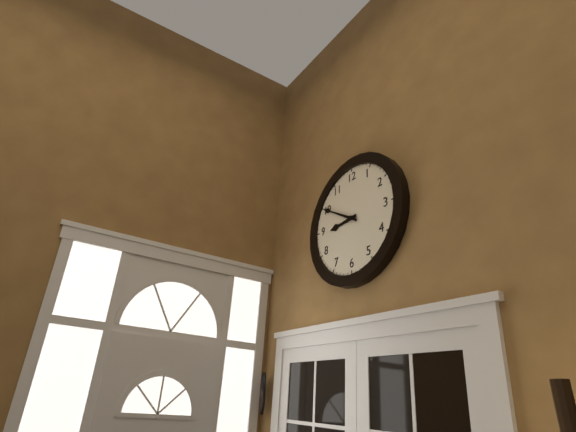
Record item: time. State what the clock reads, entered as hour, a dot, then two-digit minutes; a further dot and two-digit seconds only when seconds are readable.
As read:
8.50
